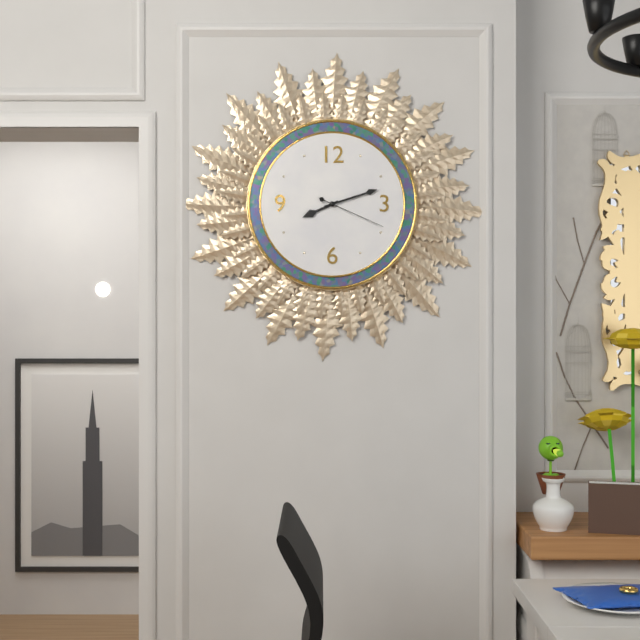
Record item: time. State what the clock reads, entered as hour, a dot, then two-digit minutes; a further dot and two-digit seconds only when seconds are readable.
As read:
8.12.19
